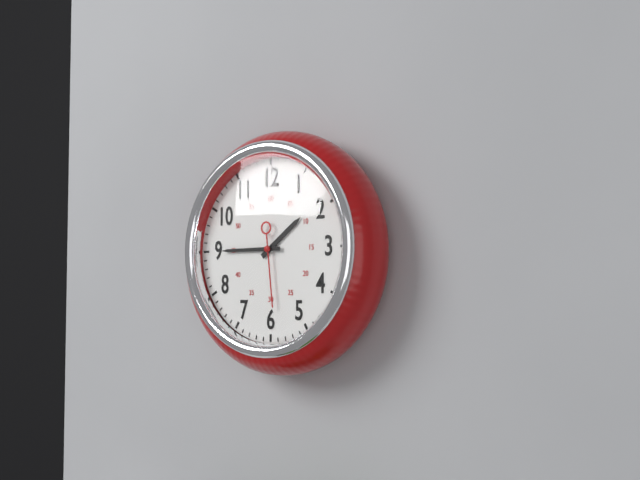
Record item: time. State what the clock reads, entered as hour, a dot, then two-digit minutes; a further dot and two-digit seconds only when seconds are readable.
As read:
1.45.29
